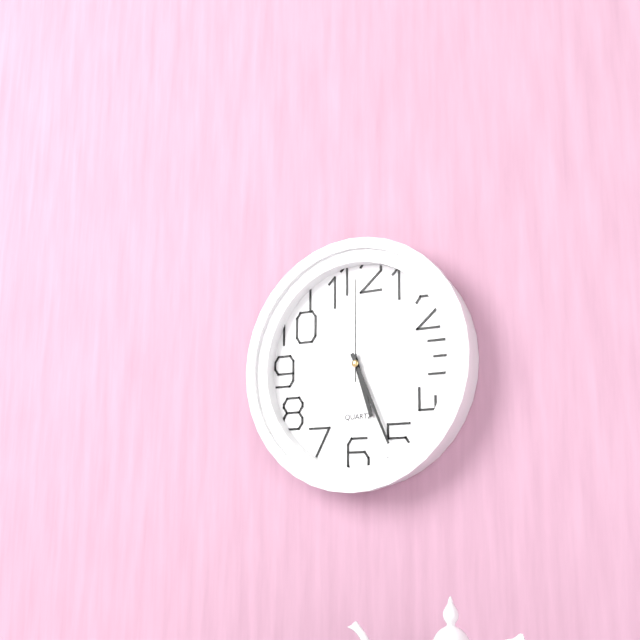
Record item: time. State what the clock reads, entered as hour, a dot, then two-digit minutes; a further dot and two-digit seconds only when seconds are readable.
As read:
5.26.00
